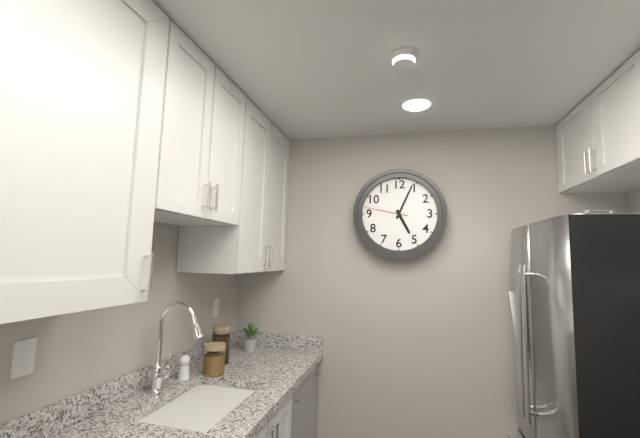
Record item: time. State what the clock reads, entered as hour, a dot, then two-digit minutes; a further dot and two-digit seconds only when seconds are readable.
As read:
5.04
